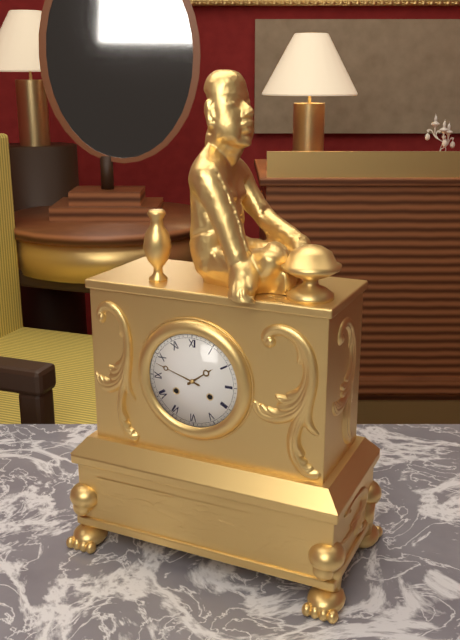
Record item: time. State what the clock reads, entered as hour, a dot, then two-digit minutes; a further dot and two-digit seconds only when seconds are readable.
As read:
1.48
